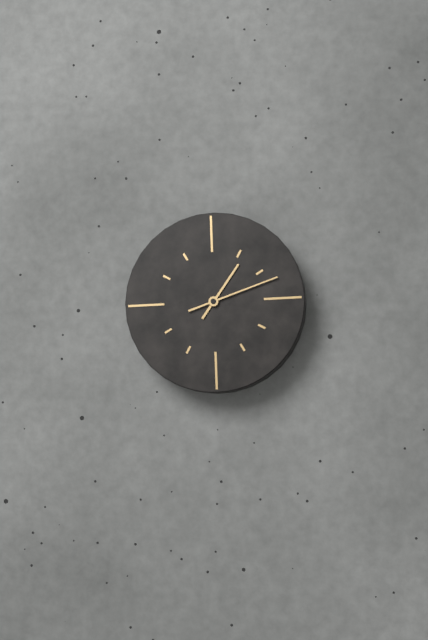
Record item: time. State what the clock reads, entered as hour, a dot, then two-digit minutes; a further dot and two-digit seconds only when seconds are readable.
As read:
1.12
